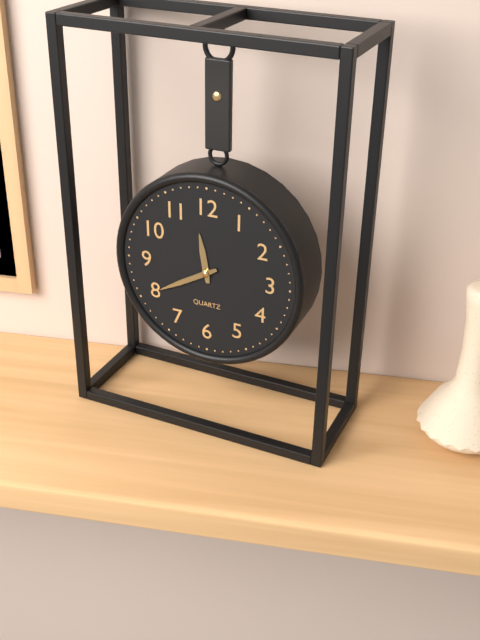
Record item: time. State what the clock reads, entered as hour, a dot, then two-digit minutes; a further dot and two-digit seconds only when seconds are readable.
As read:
11.40
